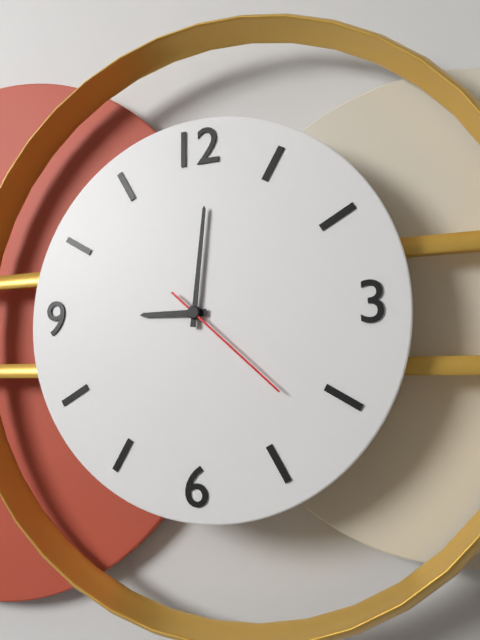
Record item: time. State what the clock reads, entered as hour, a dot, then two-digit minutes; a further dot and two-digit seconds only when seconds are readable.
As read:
9.01.22
